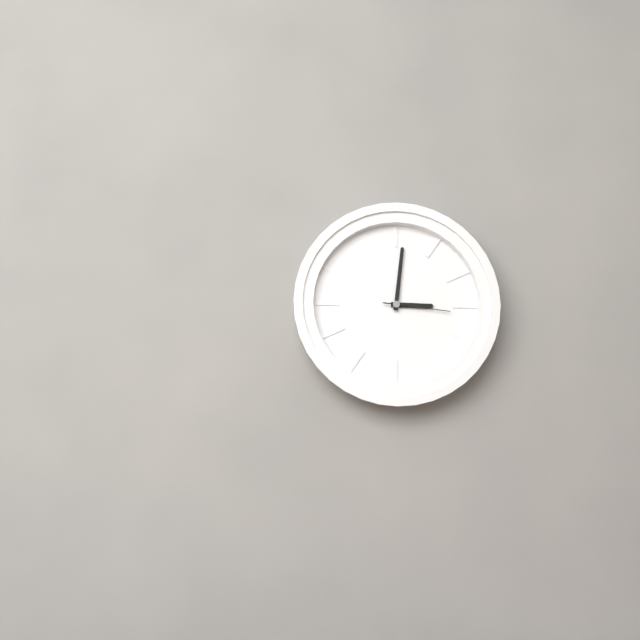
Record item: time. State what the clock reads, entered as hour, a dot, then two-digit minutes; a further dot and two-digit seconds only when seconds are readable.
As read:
3.01.16
